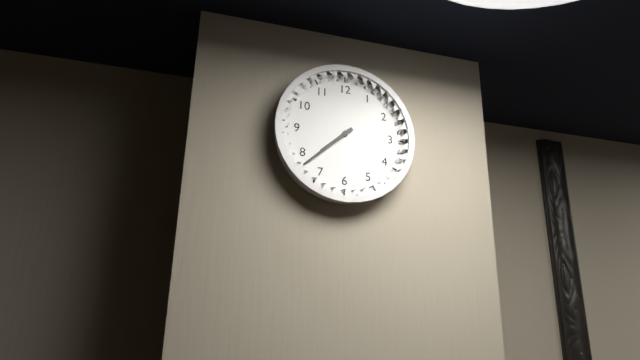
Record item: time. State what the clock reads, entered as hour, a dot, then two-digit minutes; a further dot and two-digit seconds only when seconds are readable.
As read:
7.38
